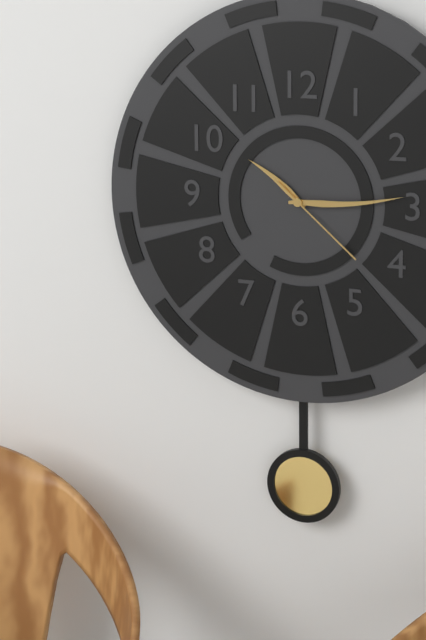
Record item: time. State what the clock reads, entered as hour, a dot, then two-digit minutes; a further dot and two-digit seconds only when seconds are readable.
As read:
10.14.22
